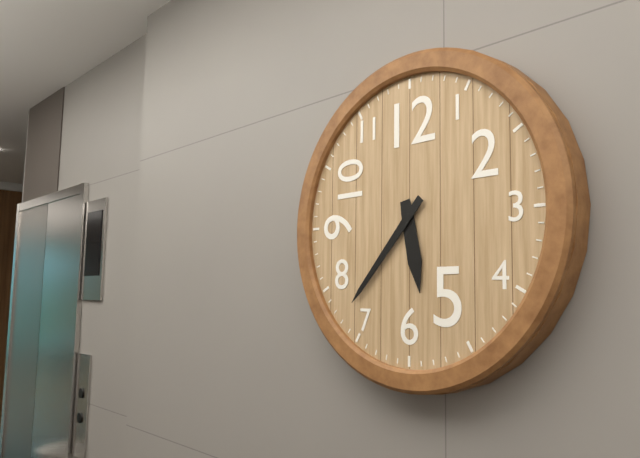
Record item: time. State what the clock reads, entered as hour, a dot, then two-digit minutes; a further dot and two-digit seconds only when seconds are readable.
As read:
5.37
